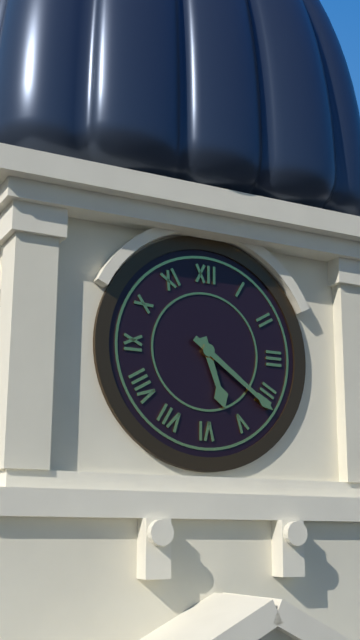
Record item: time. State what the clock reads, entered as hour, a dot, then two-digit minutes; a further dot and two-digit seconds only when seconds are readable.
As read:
5.21
